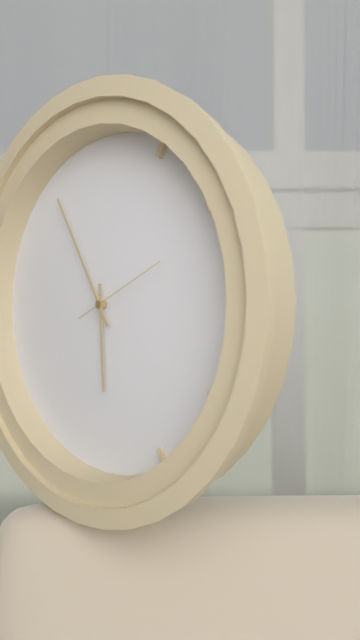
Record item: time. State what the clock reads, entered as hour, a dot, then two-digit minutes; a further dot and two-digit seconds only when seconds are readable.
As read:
5.55.11
